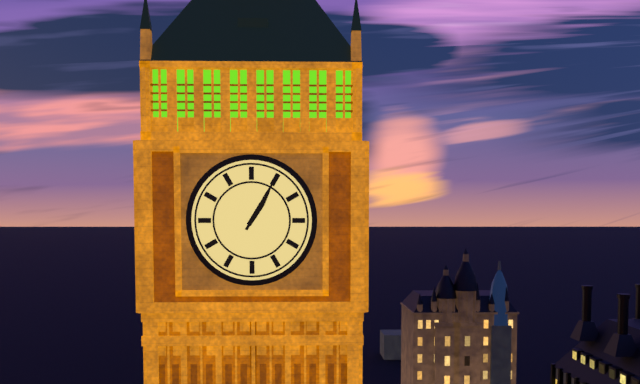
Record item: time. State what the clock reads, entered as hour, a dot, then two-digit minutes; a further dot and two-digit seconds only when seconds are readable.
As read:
1.05
